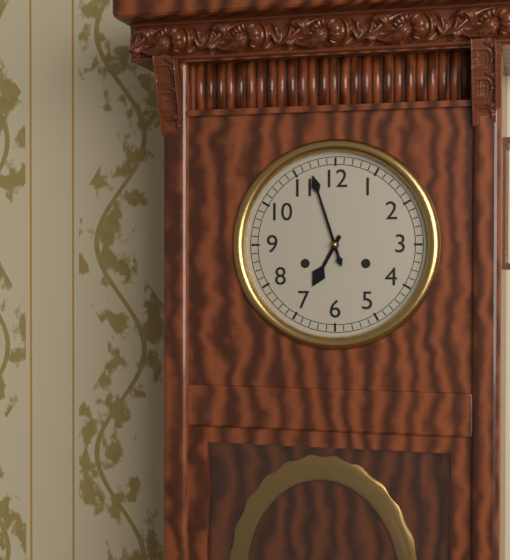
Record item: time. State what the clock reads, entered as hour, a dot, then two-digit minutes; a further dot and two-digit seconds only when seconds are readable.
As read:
6.57
